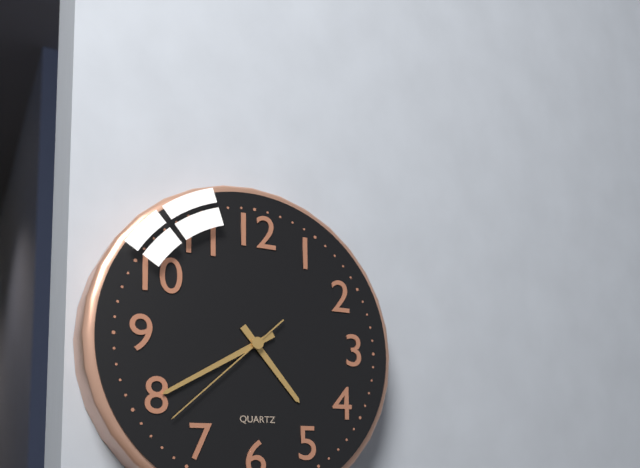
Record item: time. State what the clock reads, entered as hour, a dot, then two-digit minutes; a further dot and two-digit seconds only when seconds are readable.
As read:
4.40.38
